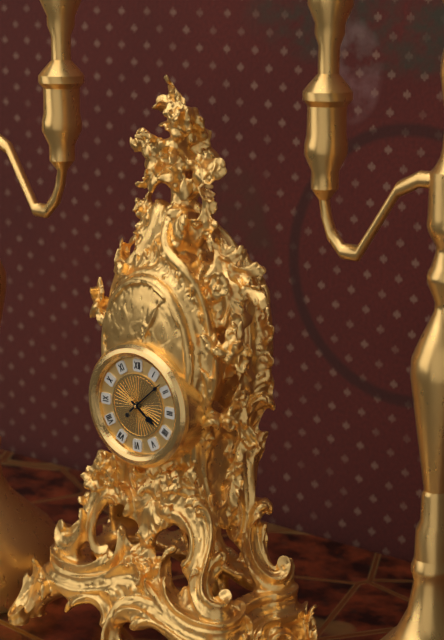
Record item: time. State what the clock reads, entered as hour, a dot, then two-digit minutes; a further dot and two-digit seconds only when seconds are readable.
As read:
4.08
